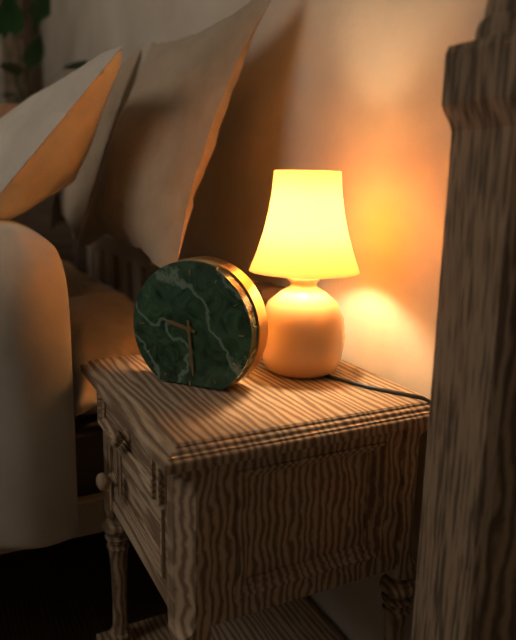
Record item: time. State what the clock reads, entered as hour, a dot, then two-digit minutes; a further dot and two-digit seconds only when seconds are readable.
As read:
9.29
